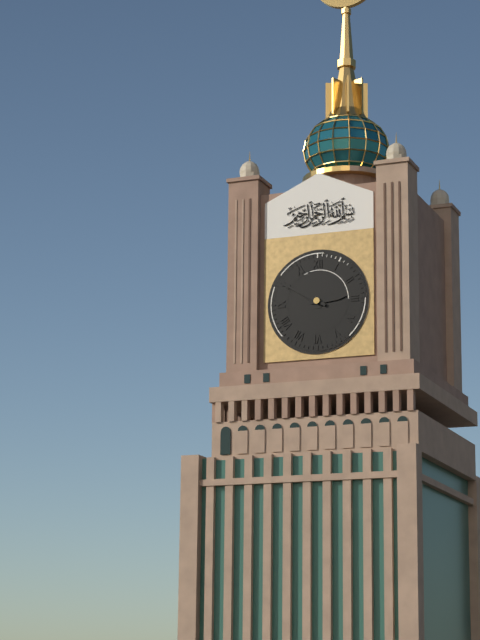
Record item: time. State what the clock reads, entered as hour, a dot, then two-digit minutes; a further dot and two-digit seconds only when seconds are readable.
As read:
2.50
